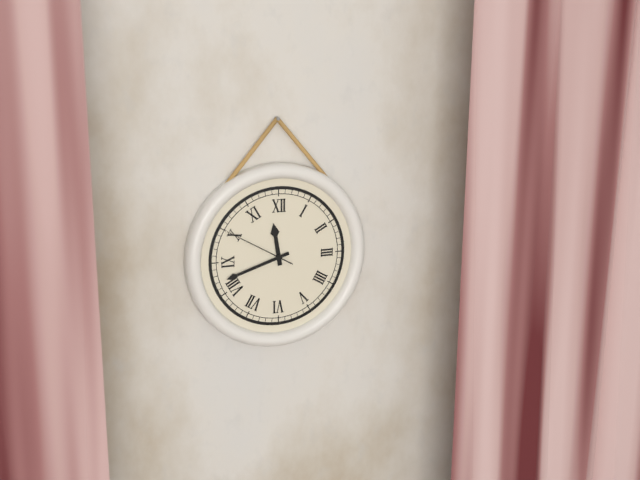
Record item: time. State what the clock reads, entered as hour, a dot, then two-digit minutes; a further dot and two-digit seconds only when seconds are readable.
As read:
11.42.50
